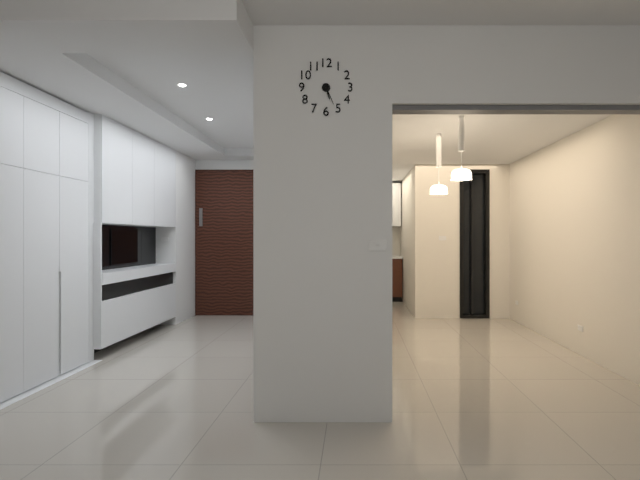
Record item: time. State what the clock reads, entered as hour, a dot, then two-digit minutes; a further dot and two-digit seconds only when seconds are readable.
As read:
5.26
